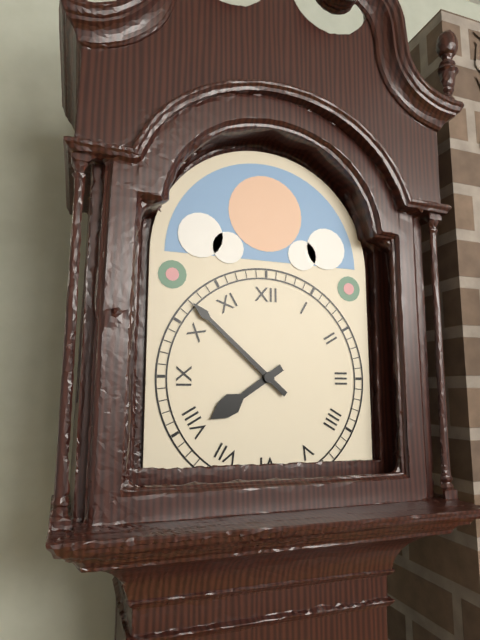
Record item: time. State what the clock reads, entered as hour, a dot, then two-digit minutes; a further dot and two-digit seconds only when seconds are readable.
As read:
7.52
